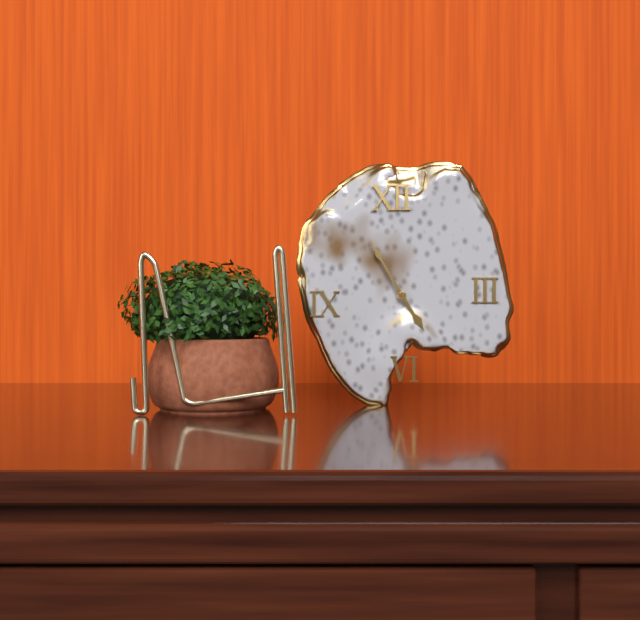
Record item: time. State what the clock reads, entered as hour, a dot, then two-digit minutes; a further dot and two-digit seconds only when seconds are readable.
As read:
4.55
